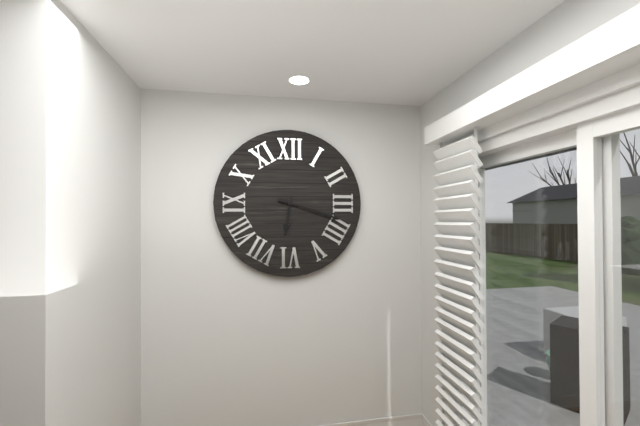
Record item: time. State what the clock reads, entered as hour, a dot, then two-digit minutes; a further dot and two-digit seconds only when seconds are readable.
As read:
6.18
